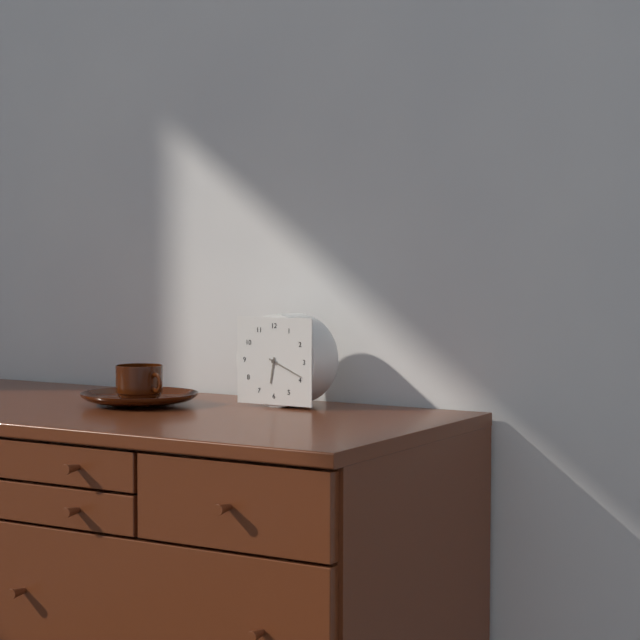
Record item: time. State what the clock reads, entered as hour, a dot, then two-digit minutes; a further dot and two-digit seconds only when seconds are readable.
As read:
6.19
